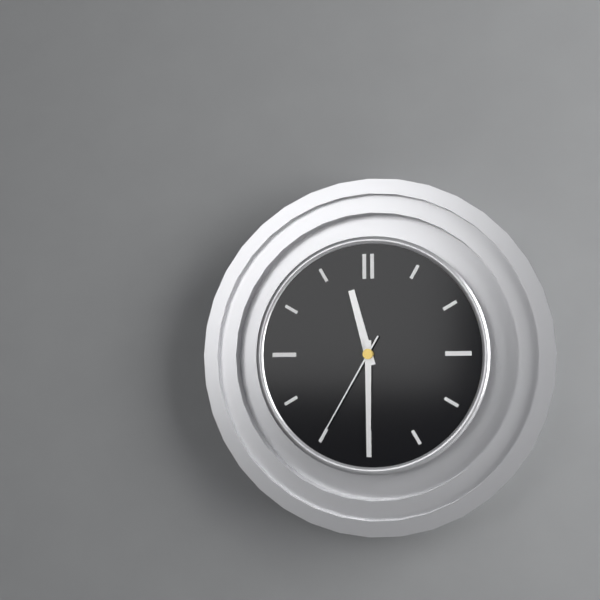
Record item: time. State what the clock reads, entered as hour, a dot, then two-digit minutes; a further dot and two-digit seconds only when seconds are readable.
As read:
11.30.35
